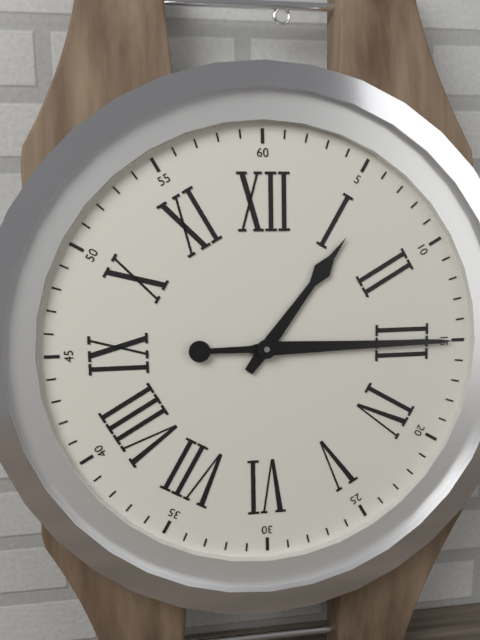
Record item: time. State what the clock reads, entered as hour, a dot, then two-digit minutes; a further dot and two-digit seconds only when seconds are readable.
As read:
1.15
